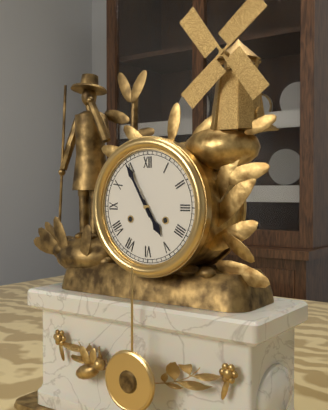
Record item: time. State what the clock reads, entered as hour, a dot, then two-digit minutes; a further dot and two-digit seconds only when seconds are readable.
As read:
4.55
